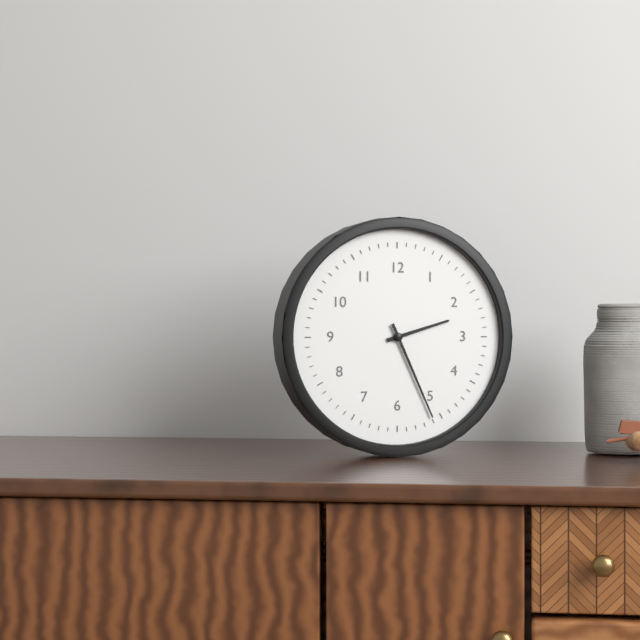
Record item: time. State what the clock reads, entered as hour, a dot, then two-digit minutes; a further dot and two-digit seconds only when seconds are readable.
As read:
2.26
